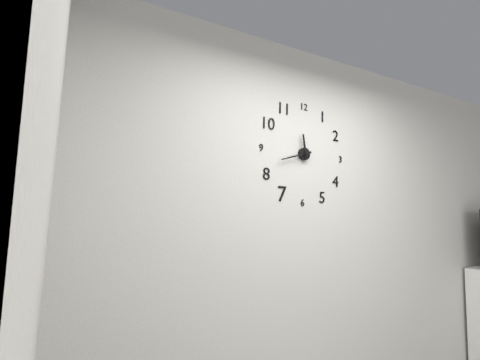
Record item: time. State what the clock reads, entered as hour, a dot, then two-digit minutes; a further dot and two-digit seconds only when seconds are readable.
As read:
11.42
